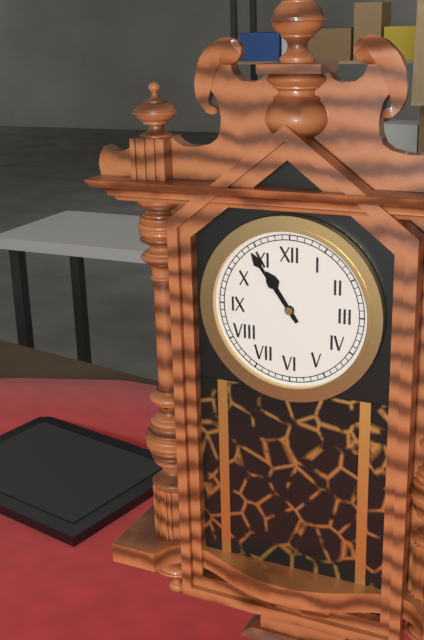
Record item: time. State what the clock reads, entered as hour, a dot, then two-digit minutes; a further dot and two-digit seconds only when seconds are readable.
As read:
10.54
